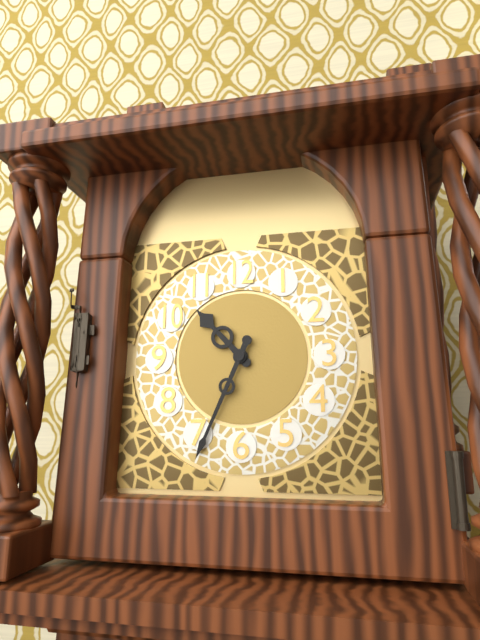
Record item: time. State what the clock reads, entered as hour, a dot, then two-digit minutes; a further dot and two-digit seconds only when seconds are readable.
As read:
10.34
